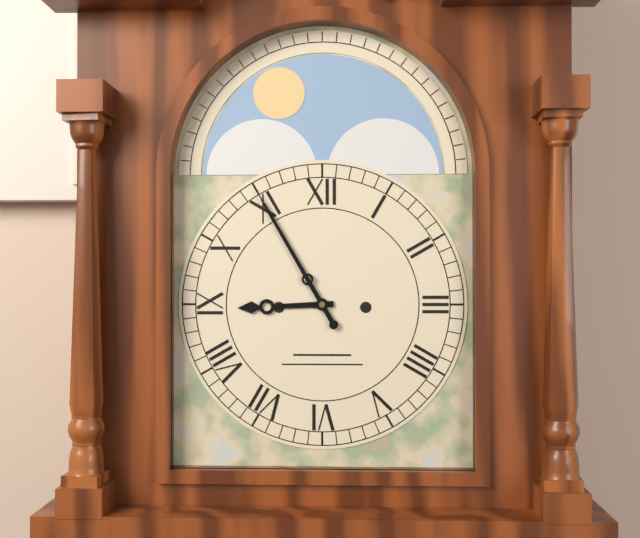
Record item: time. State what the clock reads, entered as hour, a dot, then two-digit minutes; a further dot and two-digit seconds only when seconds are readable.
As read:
8.55
